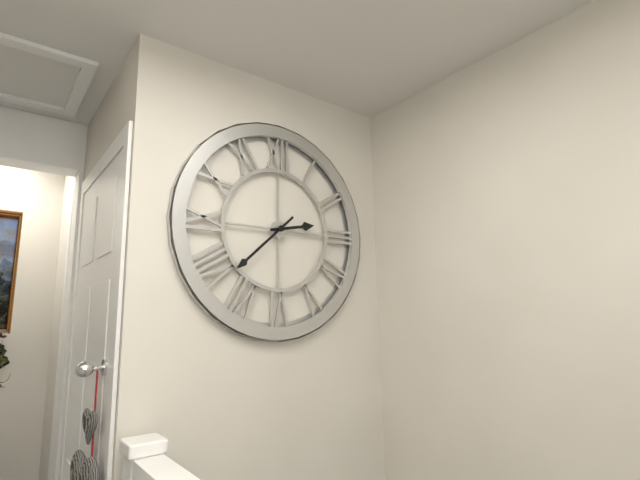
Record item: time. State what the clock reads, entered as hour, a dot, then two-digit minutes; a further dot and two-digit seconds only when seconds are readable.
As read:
2.38
